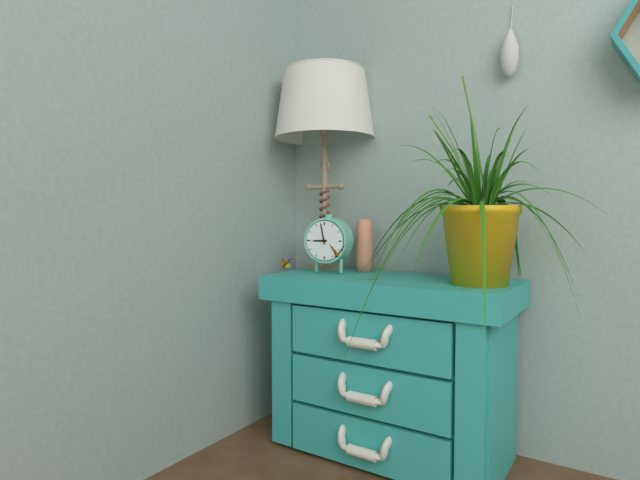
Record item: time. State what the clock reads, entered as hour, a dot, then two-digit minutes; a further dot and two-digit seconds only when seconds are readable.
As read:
8.58
